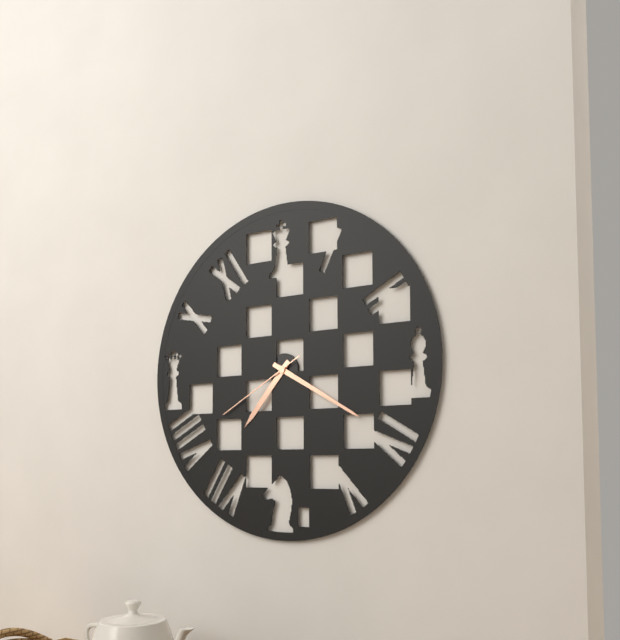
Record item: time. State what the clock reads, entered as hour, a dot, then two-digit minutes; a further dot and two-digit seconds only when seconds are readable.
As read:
7.20.40
